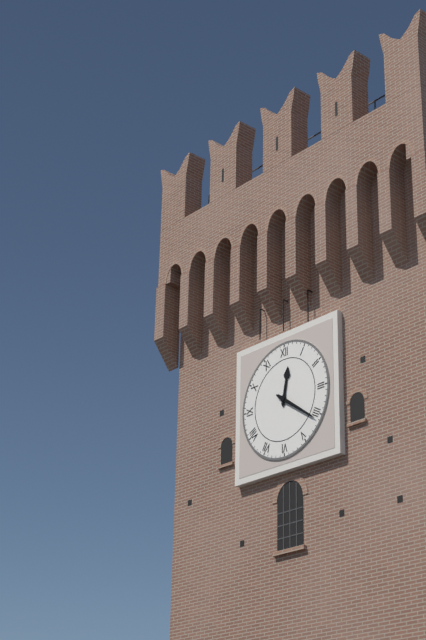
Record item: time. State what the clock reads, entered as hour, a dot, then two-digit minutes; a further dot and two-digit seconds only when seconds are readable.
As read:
12.21
